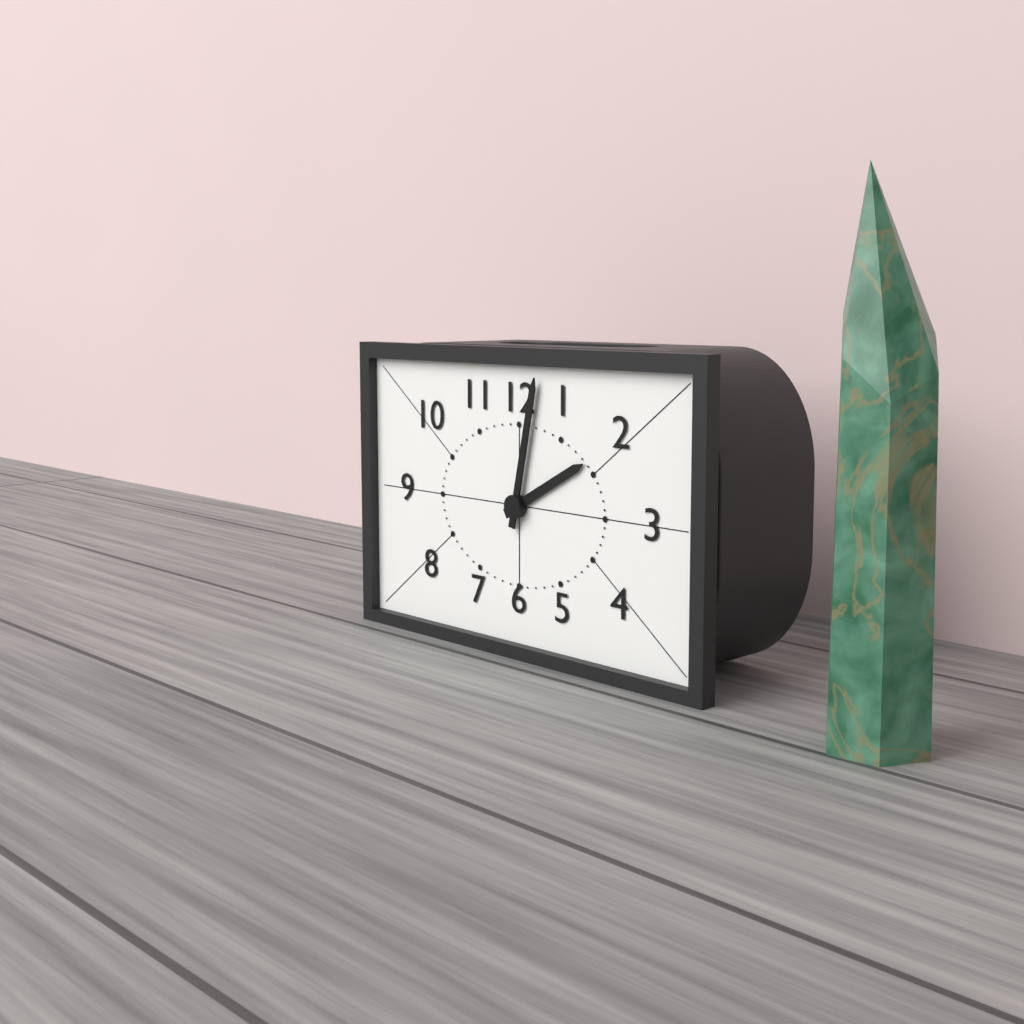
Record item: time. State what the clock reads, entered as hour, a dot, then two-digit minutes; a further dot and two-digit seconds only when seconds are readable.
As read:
2.02
